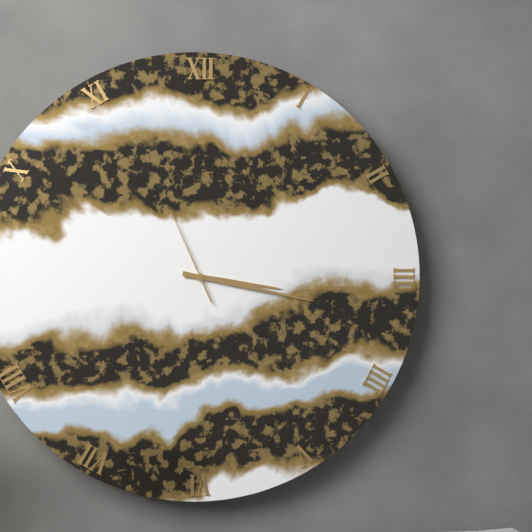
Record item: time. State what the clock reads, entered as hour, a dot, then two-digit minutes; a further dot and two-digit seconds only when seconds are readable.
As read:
3.17.56
